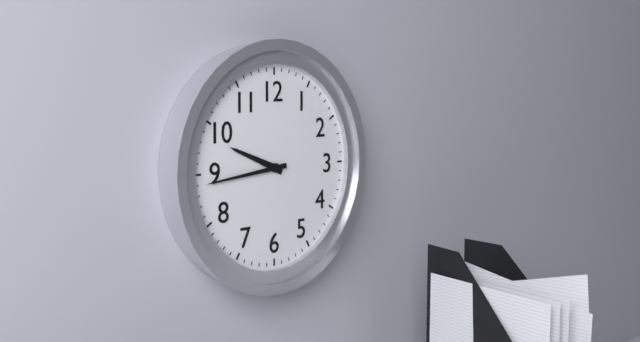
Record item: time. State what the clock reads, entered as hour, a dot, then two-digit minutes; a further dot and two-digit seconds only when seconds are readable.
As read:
9.44
